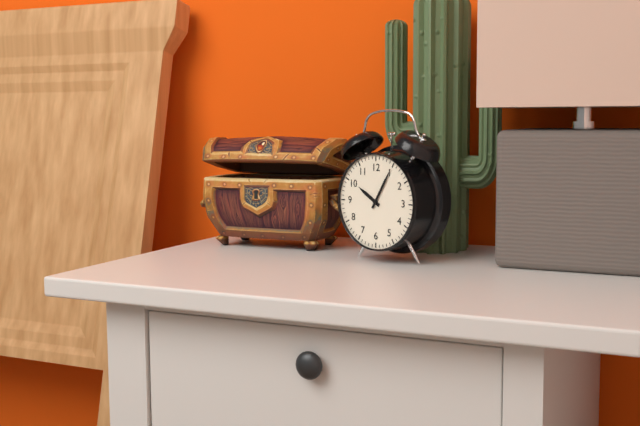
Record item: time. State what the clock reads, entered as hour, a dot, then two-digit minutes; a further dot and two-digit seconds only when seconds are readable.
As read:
10.05
